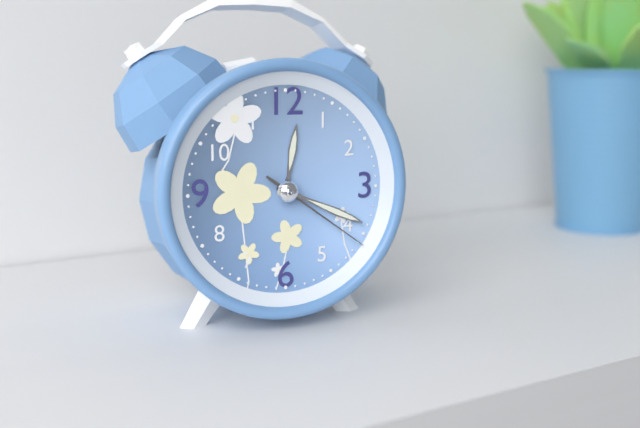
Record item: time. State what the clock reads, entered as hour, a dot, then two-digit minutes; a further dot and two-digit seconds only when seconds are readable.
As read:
12.19.21
